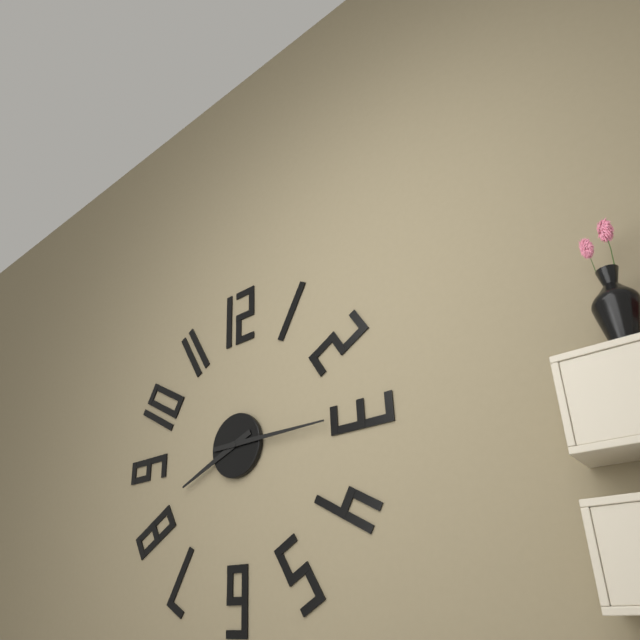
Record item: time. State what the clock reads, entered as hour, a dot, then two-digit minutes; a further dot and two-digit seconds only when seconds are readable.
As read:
8.15
